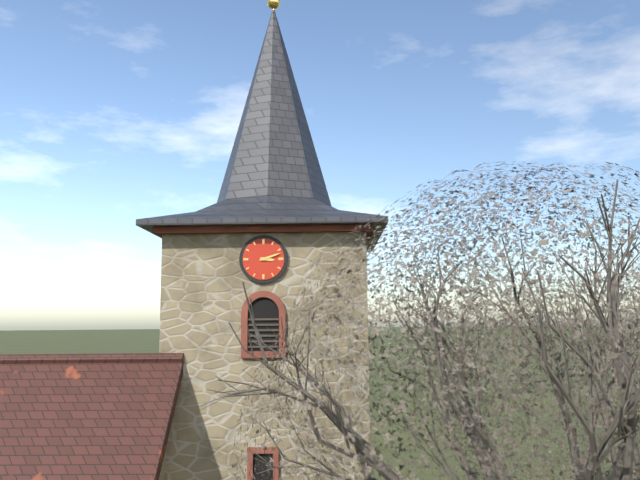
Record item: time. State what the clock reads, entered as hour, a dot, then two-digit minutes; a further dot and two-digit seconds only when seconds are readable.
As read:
3.12
